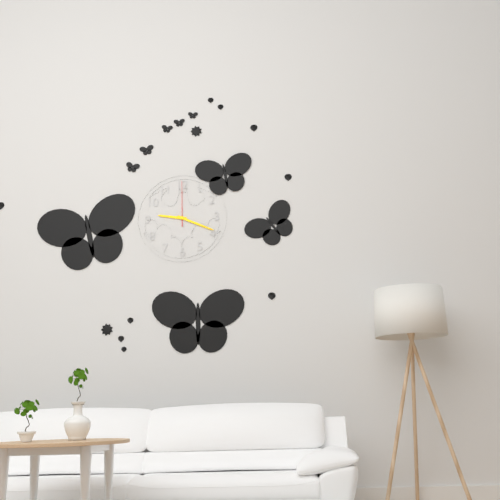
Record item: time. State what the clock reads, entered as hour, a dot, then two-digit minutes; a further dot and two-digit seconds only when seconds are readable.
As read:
9.19
